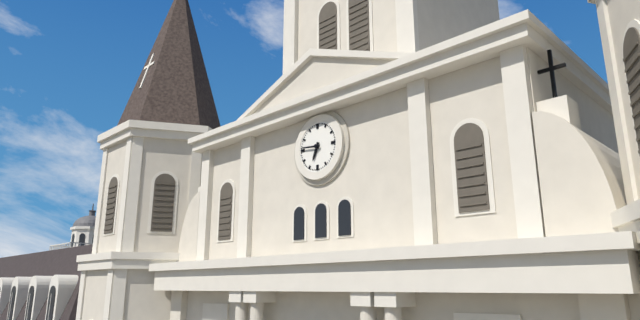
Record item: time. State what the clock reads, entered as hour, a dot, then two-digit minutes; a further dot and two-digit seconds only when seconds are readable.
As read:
6.46
